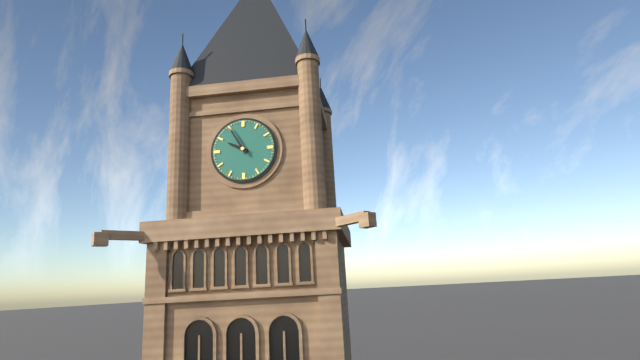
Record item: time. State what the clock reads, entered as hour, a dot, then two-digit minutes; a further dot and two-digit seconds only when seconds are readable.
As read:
9.55
